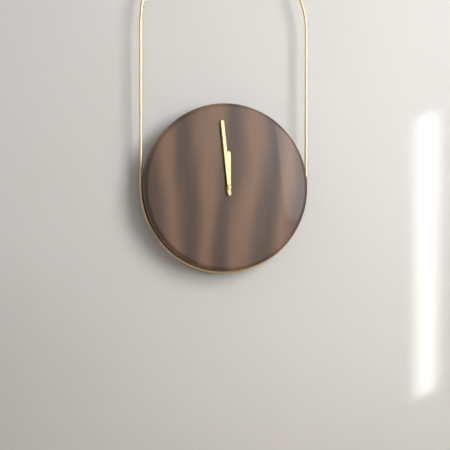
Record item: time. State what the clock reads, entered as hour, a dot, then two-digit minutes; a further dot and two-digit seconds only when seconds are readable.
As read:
11.59
